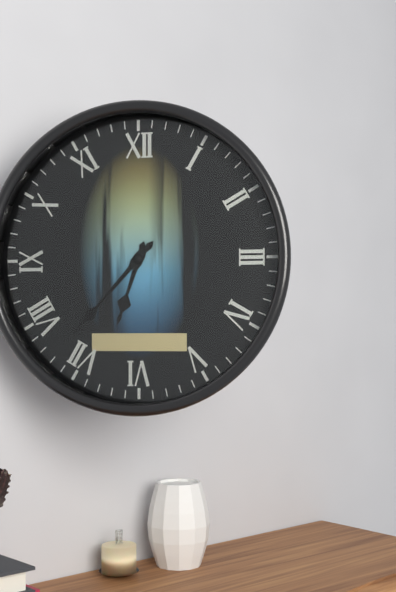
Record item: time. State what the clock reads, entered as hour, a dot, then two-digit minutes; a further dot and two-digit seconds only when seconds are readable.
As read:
6.37
